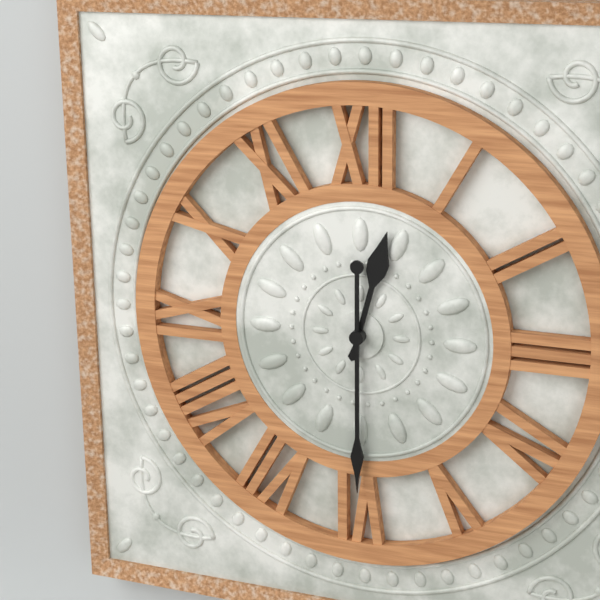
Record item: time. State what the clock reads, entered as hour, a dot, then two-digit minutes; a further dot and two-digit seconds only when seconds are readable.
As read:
12.30
